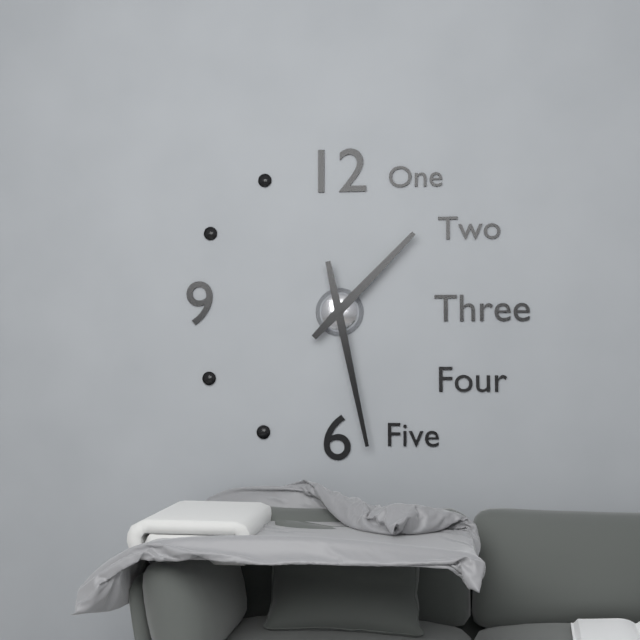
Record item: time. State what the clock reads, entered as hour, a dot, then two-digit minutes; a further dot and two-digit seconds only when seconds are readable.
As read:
1.28
